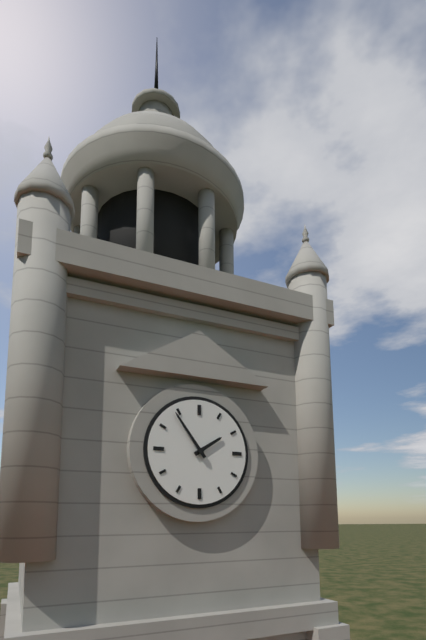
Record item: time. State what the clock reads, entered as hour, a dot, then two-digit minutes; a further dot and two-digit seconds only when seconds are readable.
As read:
1.54
